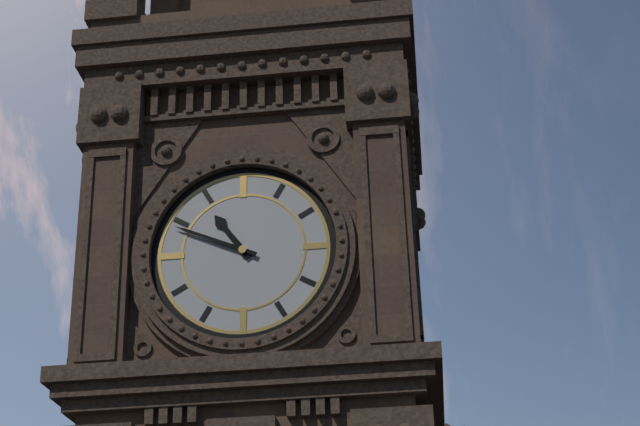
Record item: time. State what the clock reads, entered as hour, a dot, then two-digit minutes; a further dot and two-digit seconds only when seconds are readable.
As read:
10.49
